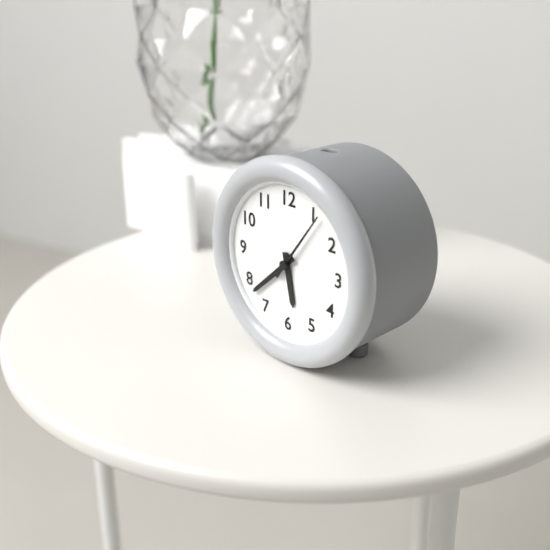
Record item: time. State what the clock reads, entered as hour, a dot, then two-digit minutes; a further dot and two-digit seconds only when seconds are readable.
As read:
5.38.06
